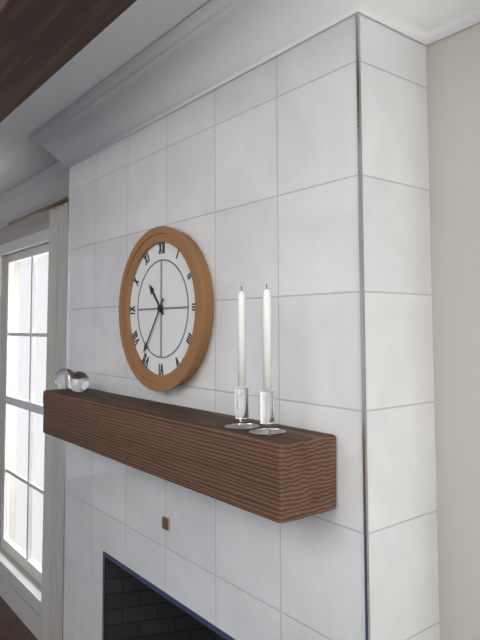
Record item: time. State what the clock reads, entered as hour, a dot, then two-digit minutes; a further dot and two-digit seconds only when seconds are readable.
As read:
10.36
